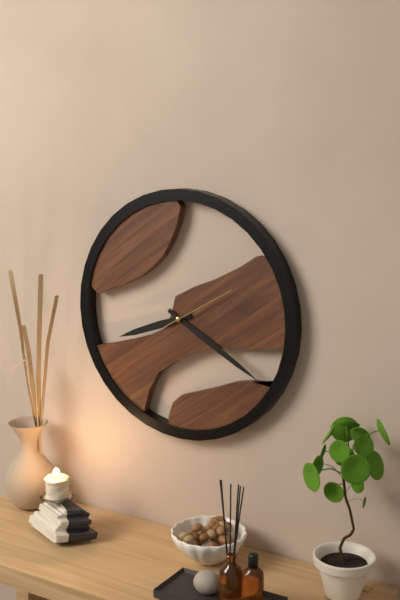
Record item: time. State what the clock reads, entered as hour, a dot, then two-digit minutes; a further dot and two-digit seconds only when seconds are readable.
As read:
8.20.10
